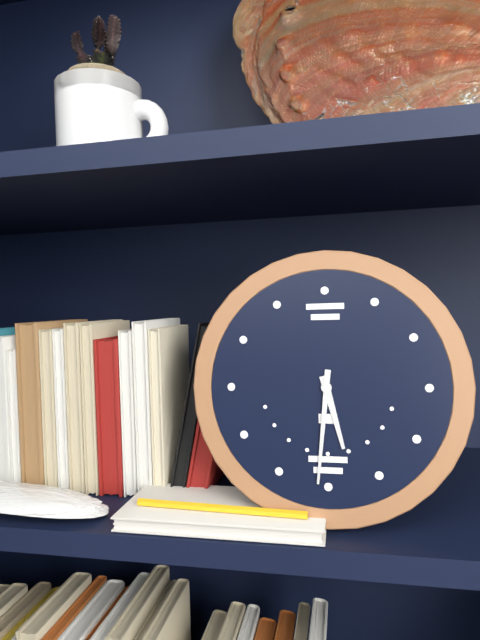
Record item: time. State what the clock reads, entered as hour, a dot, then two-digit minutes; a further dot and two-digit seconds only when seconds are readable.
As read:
5.31
